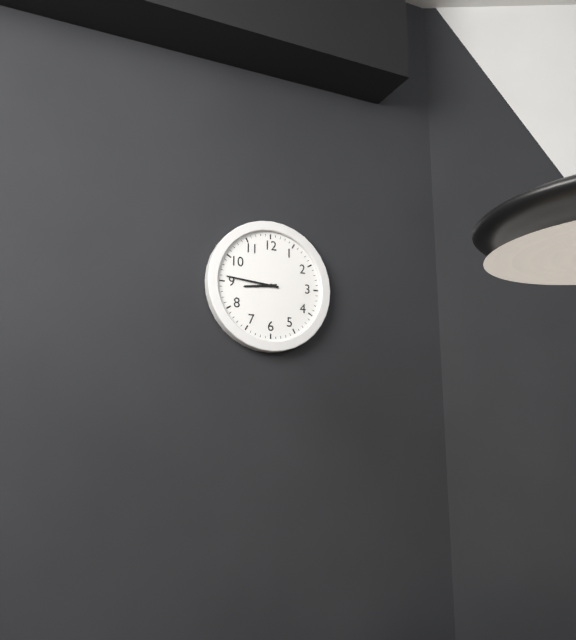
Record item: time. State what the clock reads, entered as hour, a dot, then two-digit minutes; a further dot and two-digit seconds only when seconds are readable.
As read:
8.46
